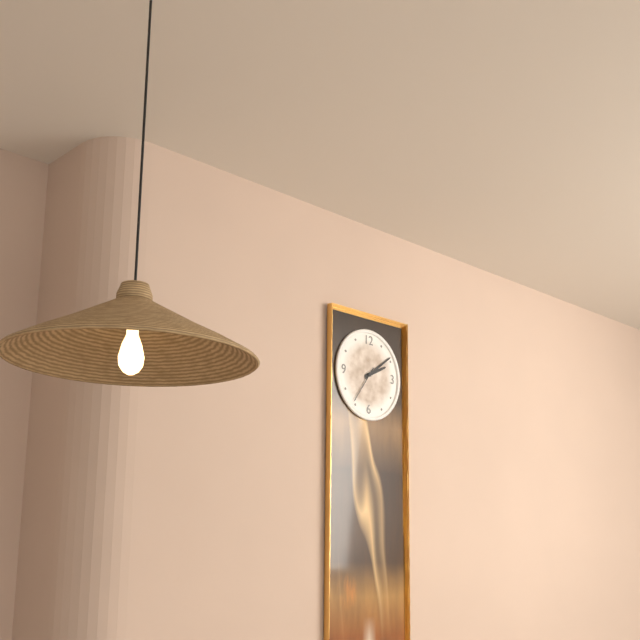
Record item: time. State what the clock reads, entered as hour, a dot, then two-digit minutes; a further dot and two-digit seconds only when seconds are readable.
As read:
2.09
